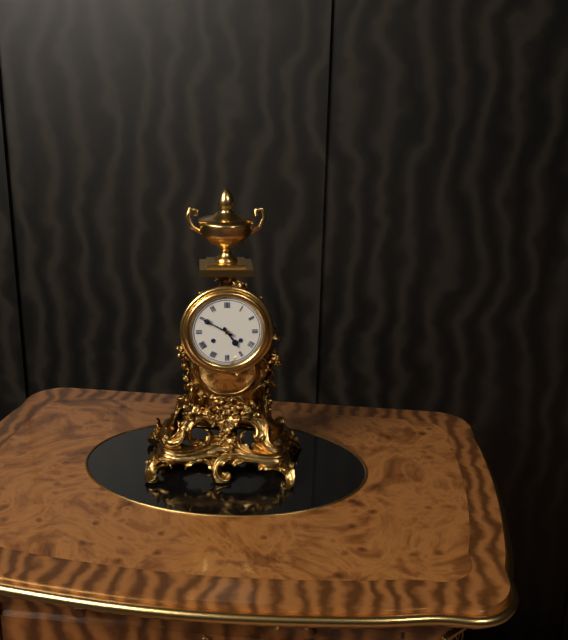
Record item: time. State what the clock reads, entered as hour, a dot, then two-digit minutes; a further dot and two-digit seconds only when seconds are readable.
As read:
4.50
